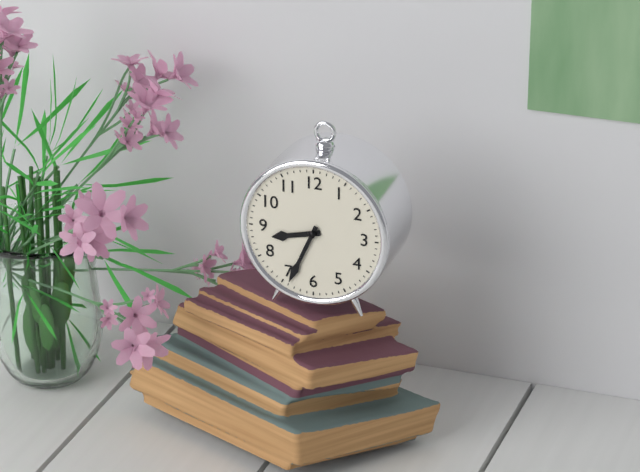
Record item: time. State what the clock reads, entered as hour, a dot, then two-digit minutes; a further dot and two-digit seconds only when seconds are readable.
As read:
8.34
